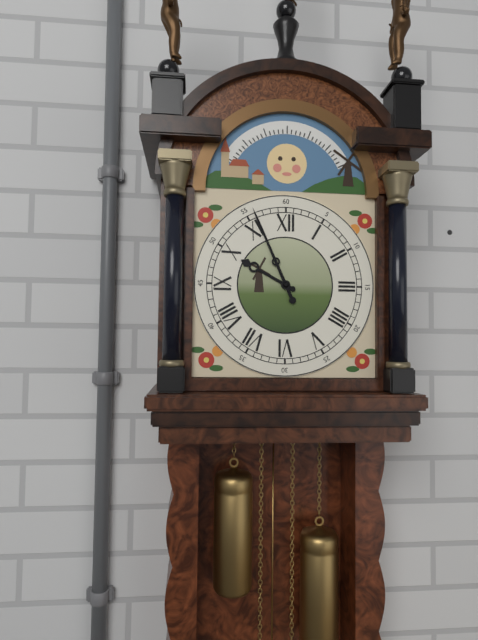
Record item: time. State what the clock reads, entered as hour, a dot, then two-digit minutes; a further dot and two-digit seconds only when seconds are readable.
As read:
9.56
